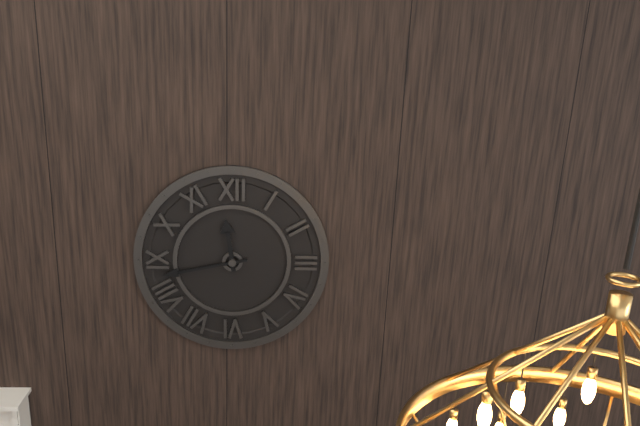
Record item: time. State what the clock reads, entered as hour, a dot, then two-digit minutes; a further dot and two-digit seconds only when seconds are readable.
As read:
11.43
